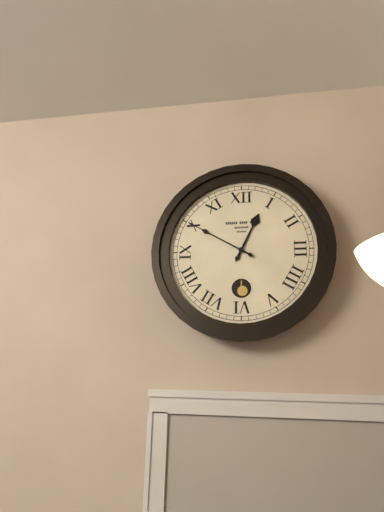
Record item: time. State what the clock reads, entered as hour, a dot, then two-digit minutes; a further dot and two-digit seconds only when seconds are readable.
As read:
12.50
